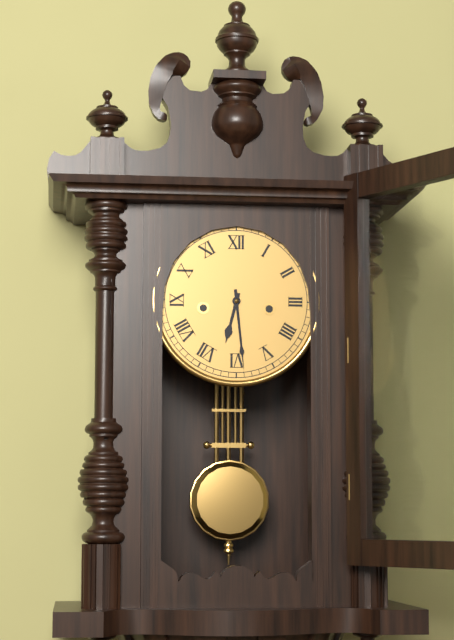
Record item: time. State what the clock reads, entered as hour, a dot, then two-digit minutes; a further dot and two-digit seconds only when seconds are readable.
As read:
6.29
